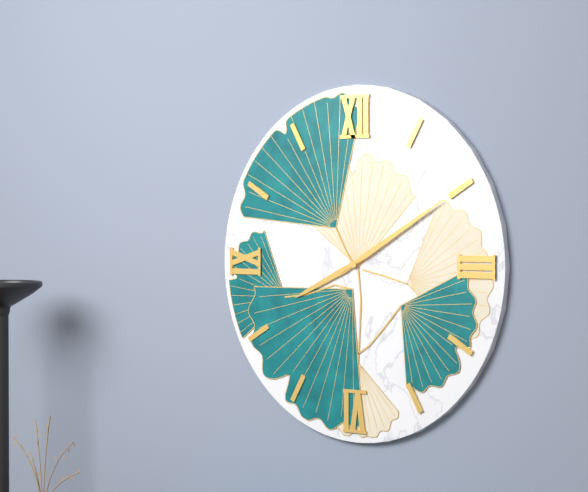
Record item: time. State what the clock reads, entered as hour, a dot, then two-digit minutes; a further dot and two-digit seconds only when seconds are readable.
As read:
8.10
